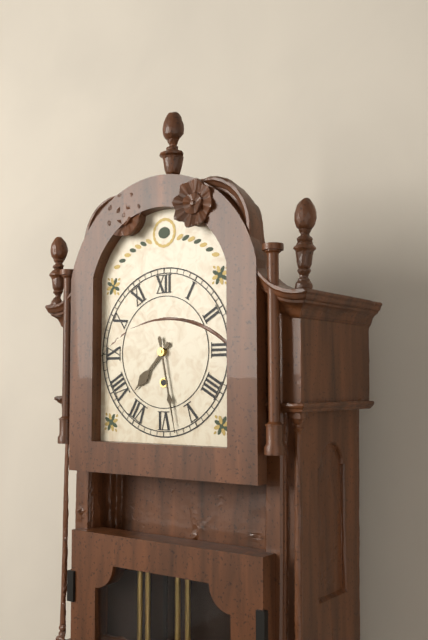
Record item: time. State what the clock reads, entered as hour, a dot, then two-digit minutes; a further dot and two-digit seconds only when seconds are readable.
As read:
7.28
